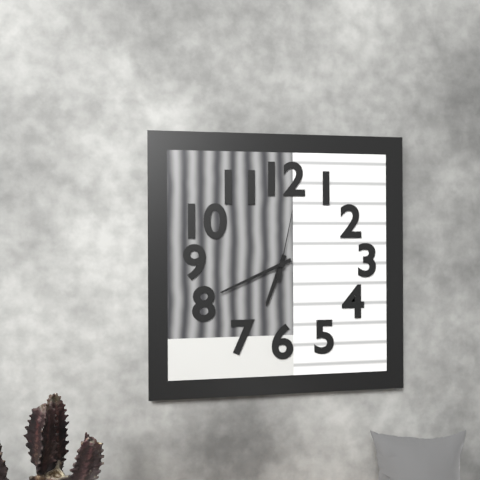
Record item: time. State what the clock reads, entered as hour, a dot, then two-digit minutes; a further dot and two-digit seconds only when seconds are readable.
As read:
6.41.02
